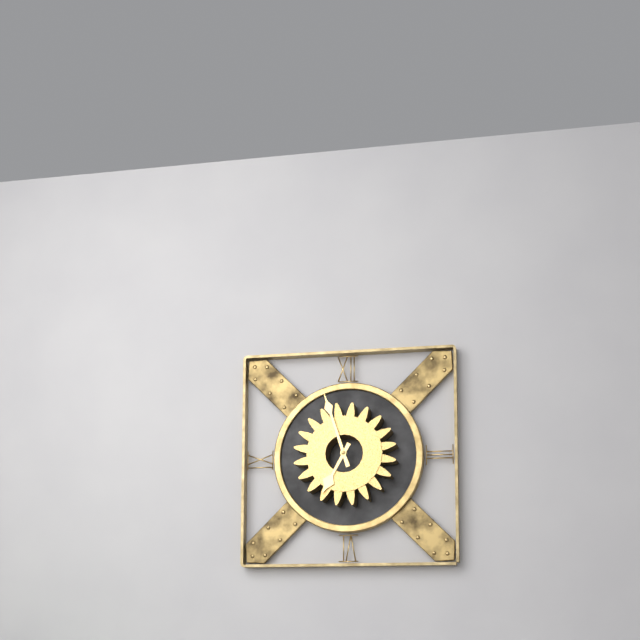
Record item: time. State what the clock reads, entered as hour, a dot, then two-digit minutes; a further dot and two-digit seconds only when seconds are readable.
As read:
6.57
